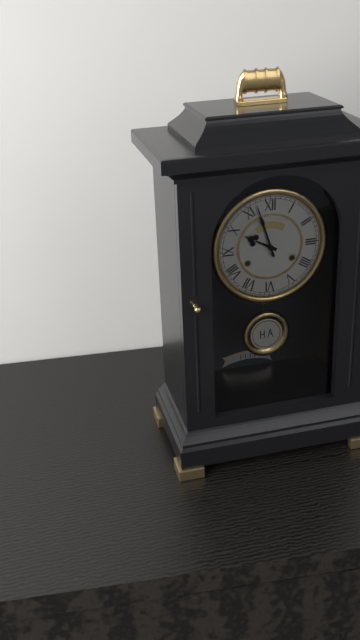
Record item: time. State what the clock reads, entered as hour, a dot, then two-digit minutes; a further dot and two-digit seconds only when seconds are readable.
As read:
9.57
